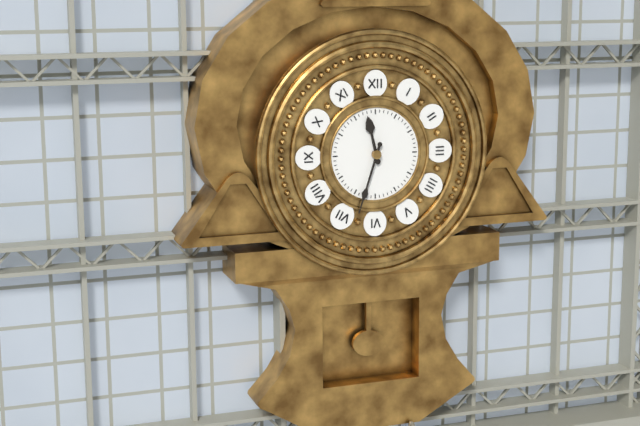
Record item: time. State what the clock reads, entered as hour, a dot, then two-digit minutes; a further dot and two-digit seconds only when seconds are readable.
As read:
11.33
